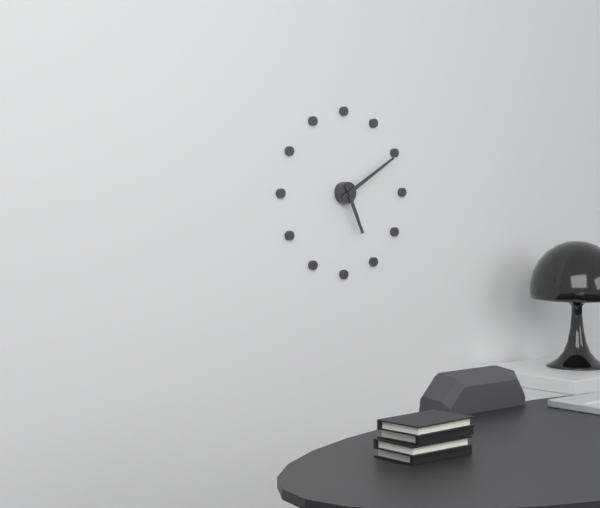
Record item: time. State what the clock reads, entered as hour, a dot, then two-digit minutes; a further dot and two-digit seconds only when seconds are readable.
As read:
5.10
